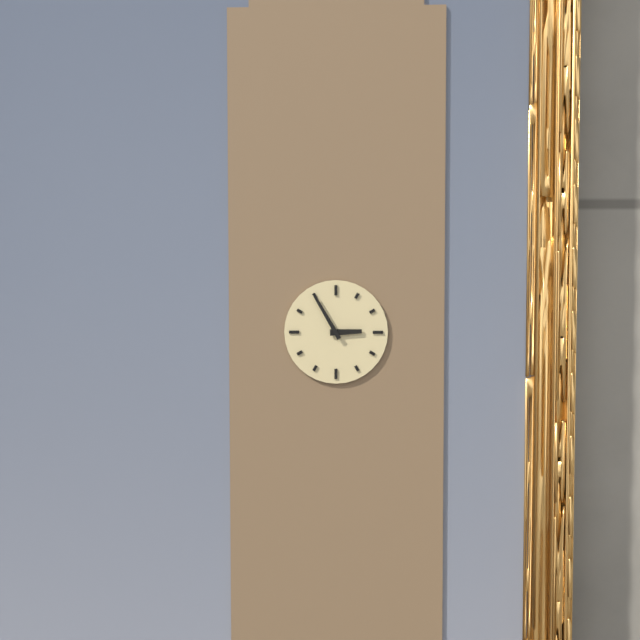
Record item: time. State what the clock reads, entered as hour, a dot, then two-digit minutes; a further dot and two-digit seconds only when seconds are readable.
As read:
2.55
